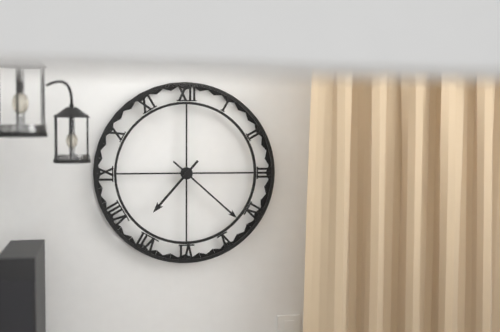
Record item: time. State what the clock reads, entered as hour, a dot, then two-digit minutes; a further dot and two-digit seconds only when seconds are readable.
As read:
7.22
